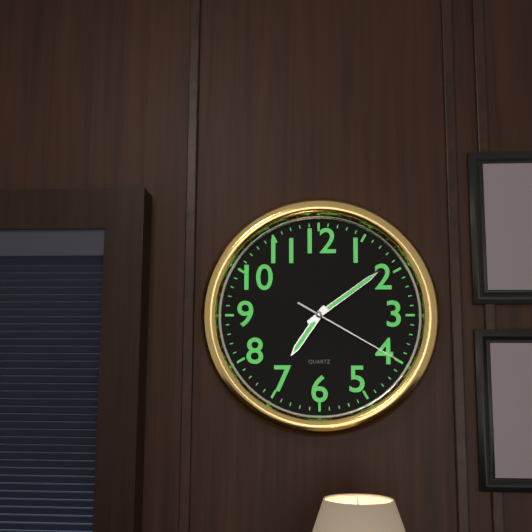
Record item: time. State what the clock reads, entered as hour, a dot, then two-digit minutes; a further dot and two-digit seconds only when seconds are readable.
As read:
7.09.20
